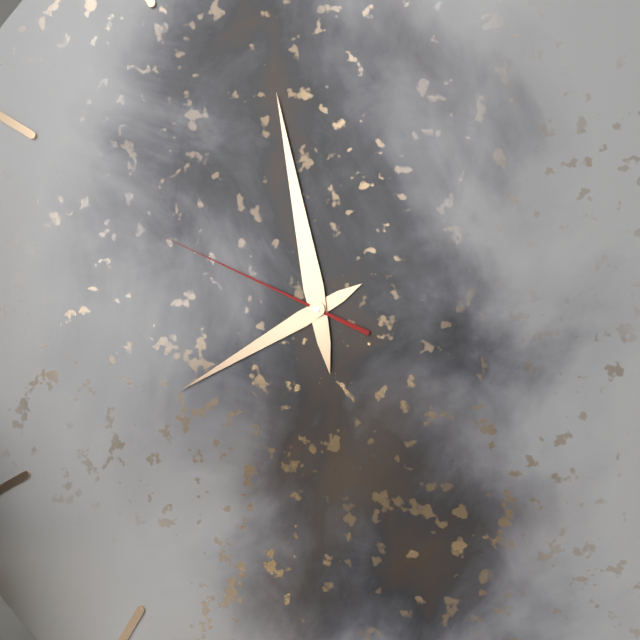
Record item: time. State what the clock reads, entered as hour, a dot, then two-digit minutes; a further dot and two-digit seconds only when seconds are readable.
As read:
7.58.49
